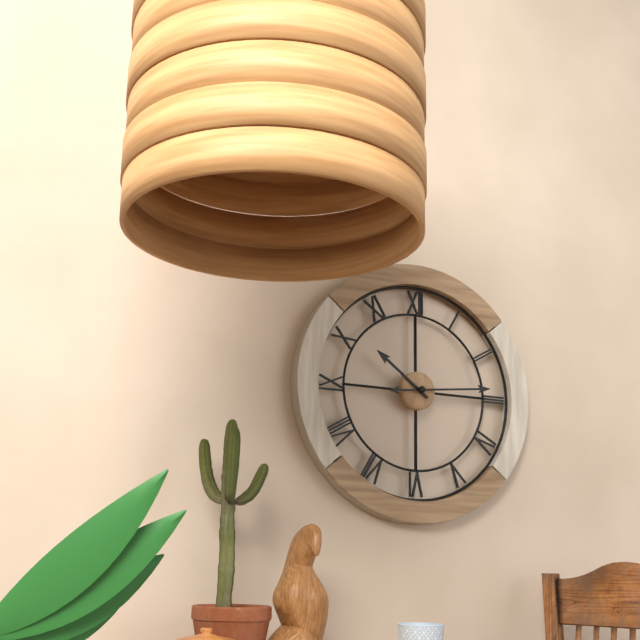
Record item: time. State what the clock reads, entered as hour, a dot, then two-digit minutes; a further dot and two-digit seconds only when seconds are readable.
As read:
10.14
